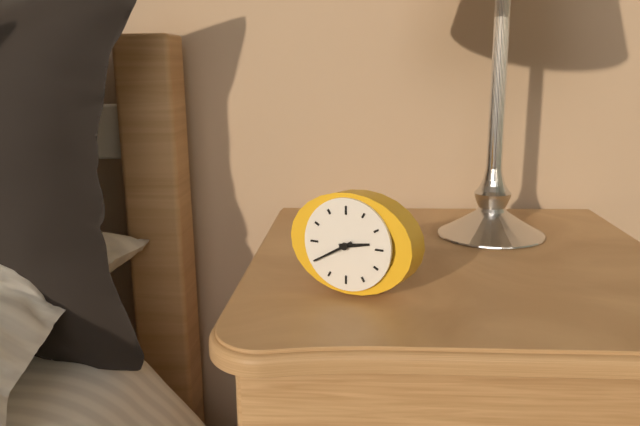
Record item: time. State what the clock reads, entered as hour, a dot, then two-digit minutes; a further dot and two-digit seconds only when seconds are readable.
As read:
2.40
